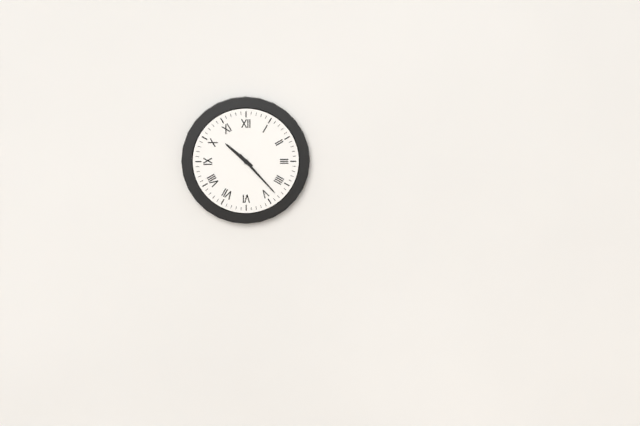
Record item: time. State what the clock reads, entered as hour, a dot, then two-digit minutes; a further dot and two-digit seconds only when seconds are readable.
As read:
10.23
